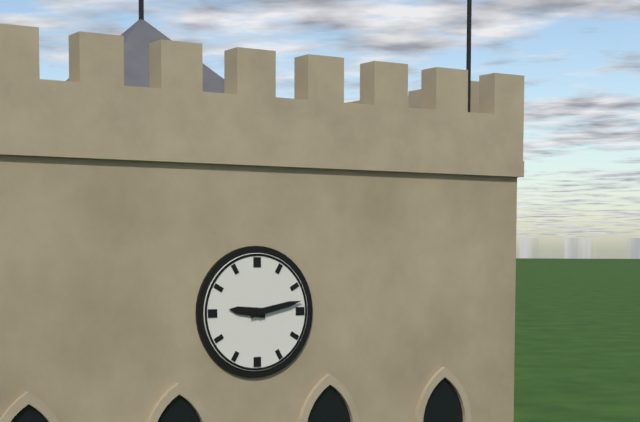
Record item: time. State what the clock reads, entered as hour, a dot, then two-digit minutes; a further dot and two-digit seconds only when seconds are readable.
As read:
9.13
